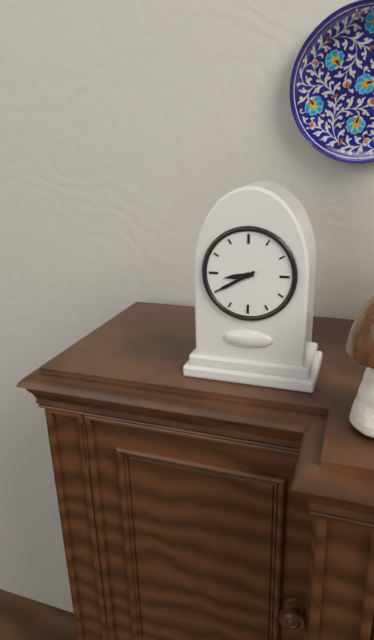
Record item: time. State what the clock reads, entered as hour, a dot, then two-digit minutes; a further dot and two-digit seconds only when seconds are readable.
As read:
8.40
